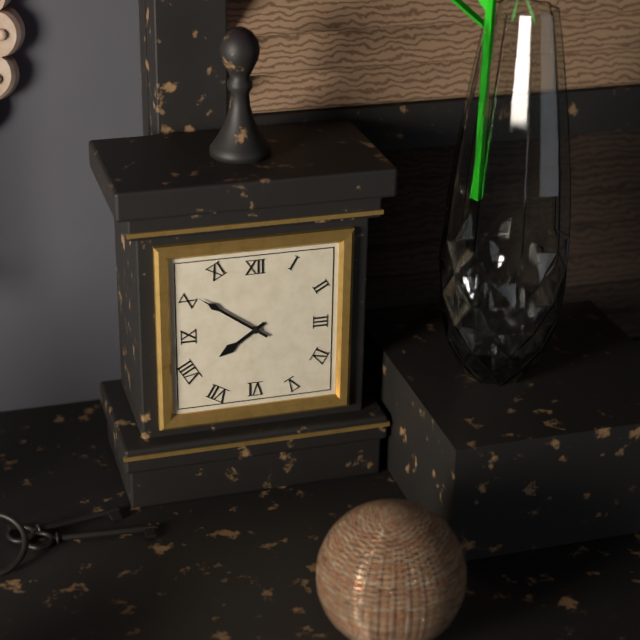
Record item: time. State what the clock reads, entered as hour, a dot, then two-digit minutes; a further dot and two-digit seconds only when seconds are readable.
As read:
7.51
